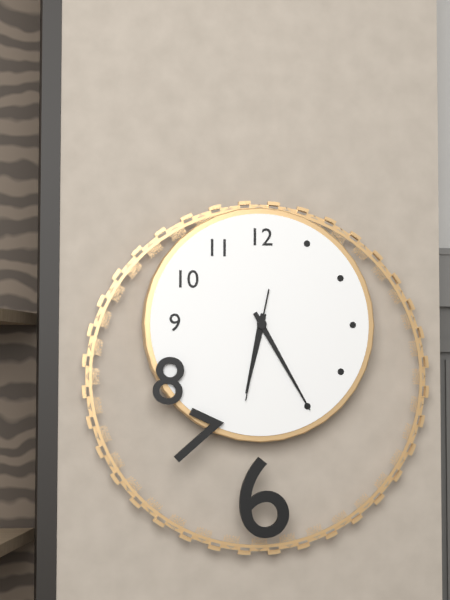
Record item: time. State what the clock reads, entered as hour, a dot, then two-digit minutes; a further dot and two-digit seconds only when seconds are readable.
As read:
6.25.32
